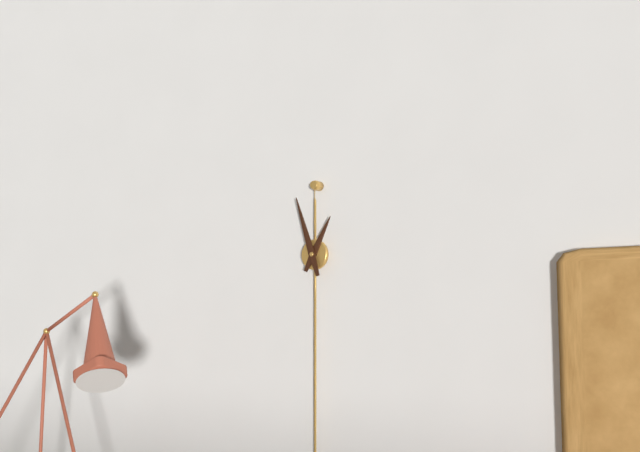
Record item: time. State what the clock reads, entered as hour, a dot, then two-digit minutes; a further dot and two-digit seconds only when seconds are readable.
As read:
12.57
